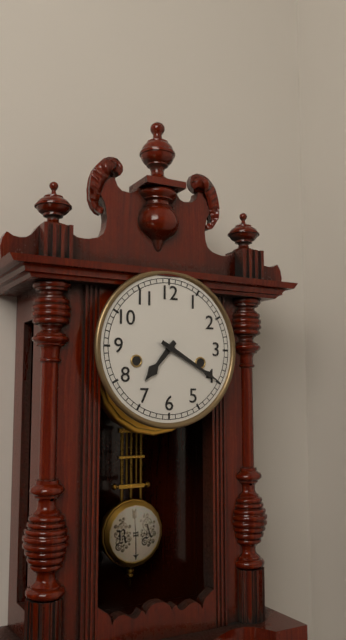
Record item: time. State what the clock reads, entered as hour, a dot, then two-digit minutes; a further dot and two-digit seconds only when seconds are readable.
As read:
7.20
